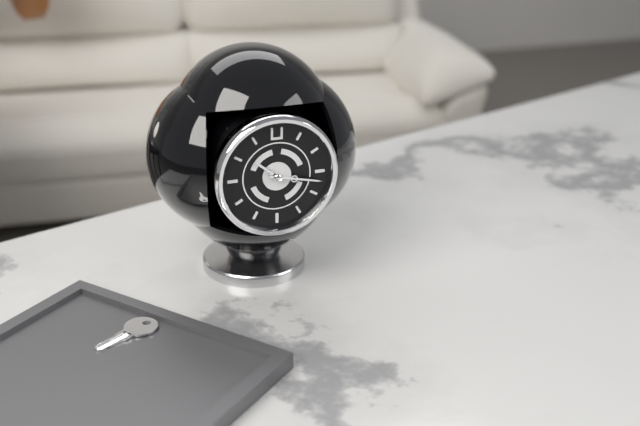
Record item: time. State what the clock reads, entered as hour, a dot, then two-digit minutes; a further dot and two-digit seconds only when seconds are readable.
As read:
10.17
